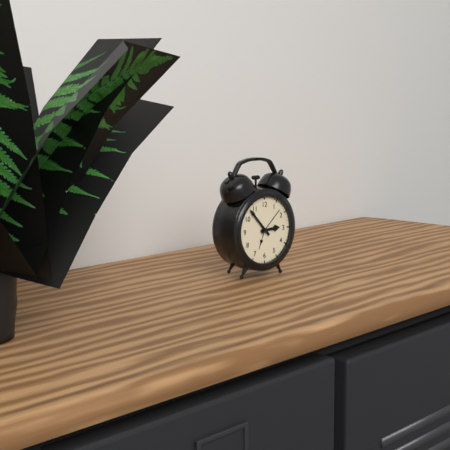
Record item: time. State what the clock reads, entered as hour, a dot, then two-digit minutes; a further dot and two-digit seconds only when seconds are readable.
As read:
2.53
